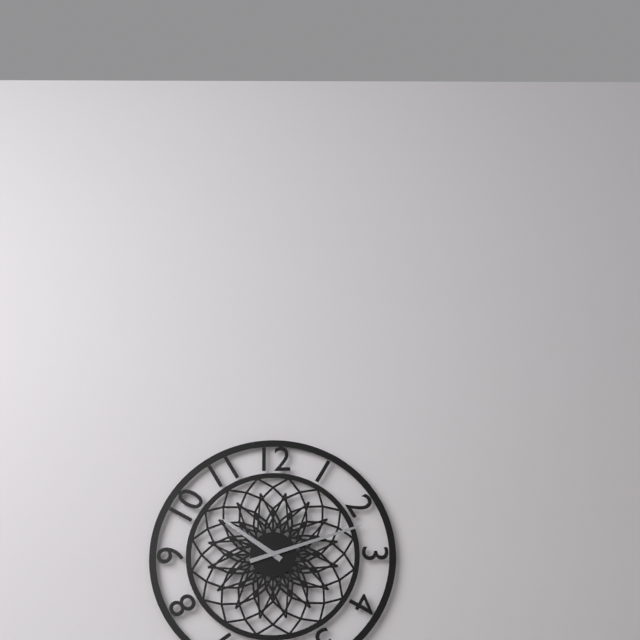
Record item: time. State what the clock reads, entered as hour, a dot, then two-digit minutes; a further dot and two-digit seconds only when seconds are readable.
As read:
10.12
